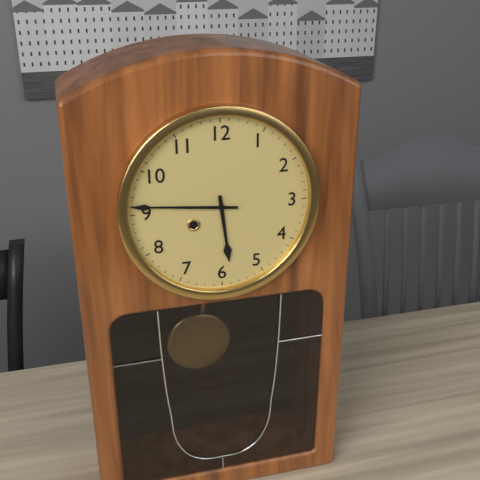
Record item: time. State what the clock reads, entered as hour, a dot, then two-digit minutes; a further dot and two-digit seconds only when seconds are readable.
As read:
5.46
